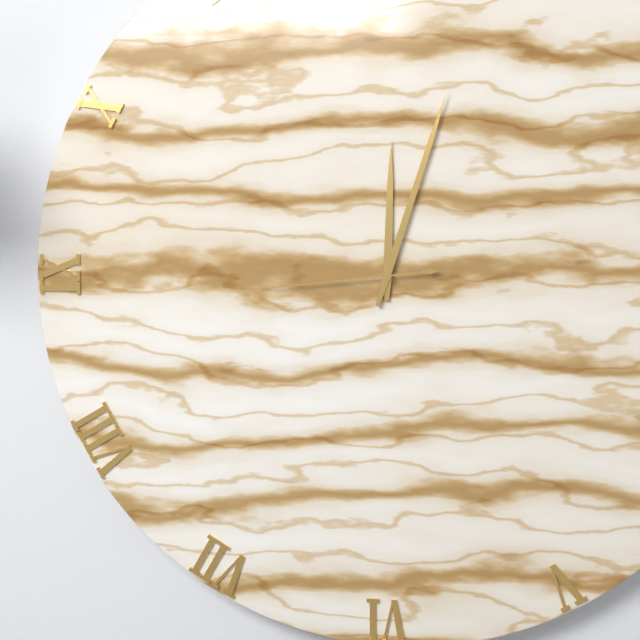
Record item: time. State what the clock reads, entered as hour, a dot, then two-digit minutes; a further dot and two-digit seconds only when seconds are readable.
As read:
12.03.44
